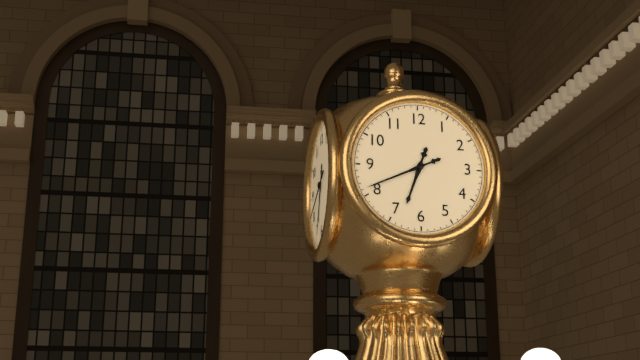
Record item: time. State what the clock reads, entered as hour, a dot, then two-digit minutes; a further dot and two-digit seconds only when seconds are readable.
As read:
6.41
